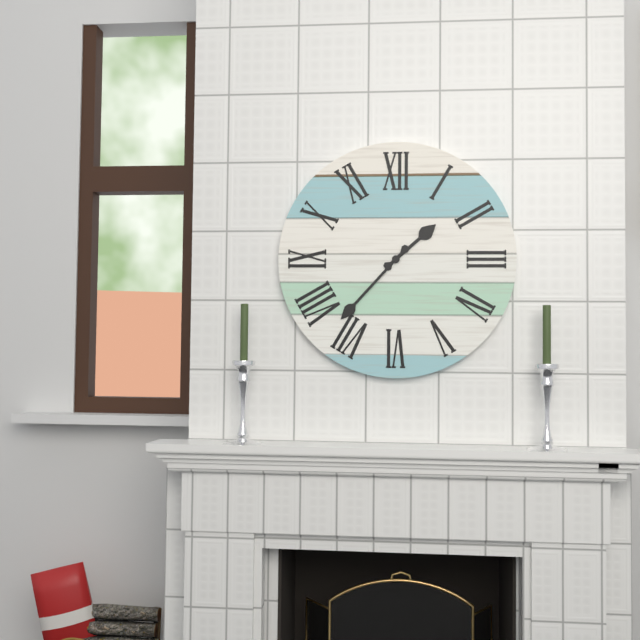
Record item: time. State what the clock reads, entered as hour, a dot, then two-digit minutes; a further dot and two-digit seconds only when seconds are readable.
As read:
1.37
